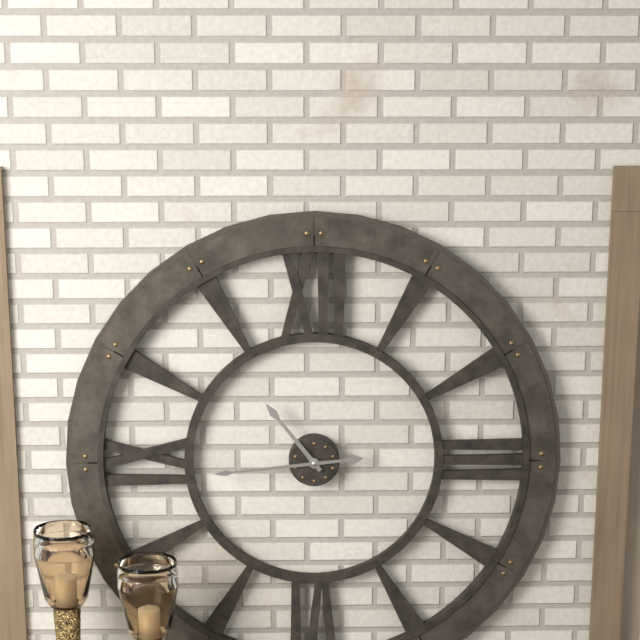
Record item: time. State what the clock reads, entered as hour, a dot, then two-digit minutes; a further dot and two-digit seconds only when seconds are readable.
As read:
10.44
